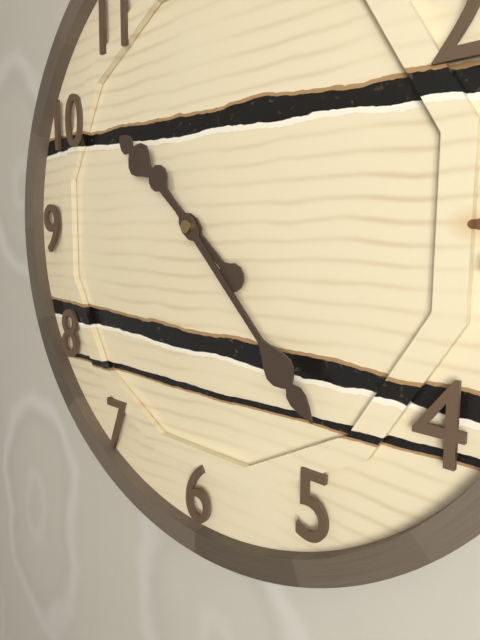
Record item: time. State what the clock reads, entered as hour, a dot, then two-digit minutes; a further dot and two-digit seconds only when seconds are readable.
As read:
10.23
